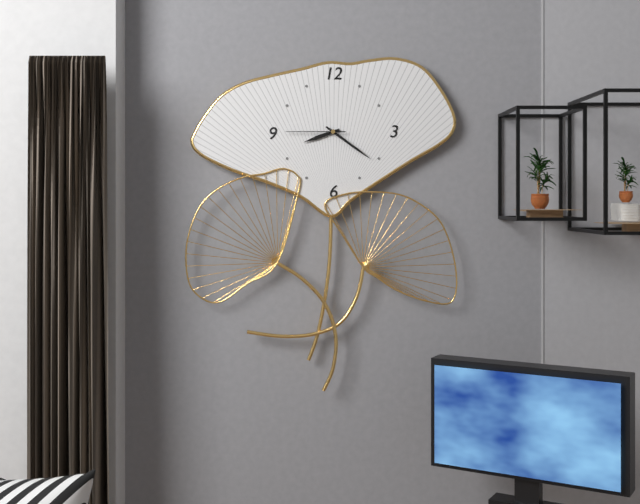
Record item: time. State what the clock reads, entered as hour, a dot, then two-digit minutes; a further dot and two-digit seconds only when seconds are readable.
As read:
8.21.45
